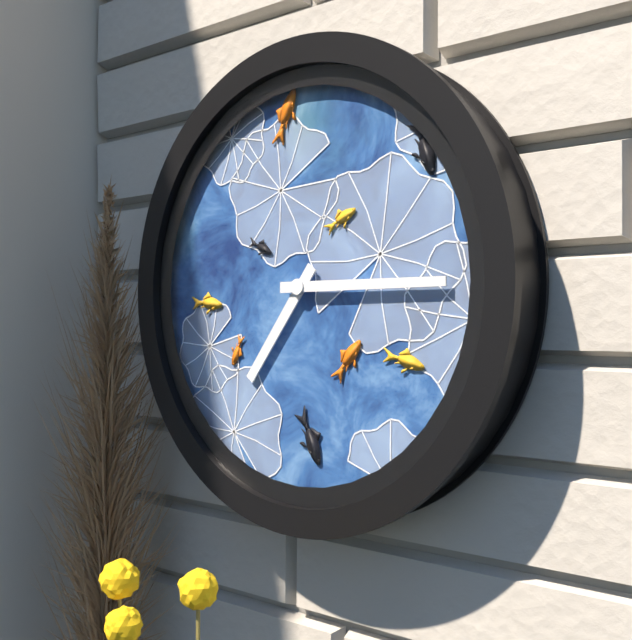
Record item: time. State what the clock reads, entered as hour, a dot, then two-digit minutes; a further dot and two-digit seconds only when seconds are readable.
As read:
7.15
